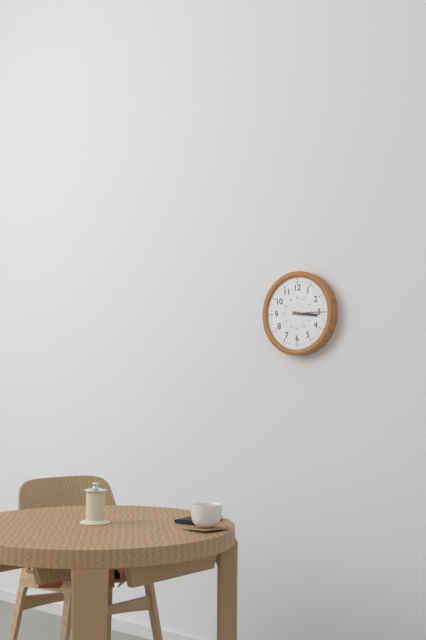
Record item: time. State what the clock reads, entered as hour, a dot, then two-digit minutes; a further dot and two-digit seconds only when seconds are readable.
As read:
3.15
